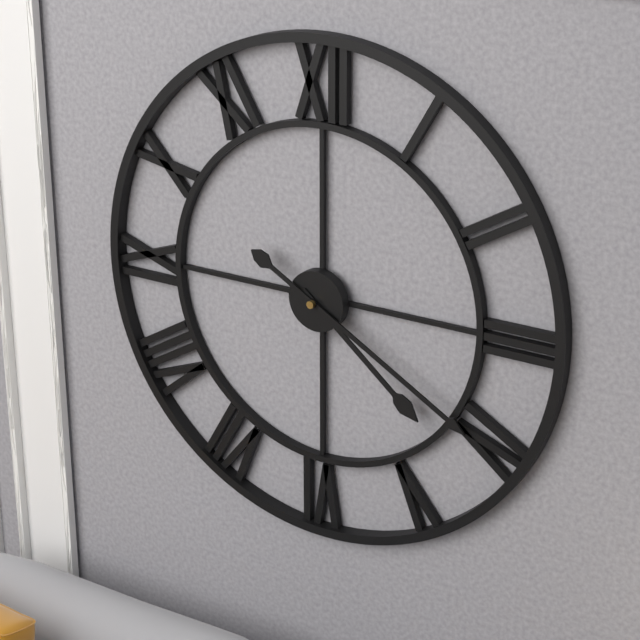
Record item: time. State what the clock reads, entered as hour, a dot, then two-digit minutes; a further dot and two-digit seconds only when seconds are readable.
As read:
4.20
